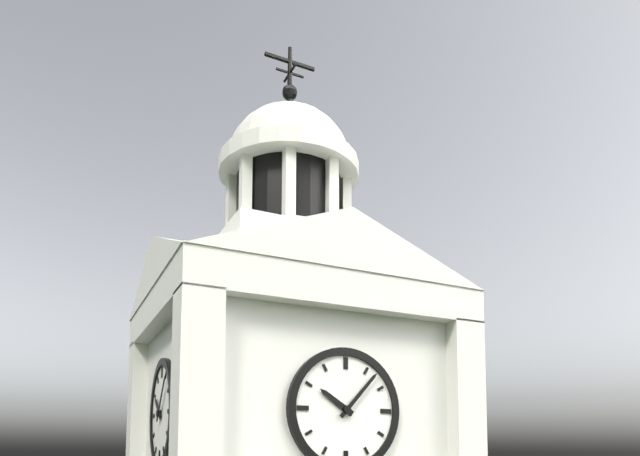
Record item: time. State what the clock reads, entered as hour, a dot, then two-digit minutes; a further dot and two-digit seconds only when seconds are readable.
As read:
10.07
